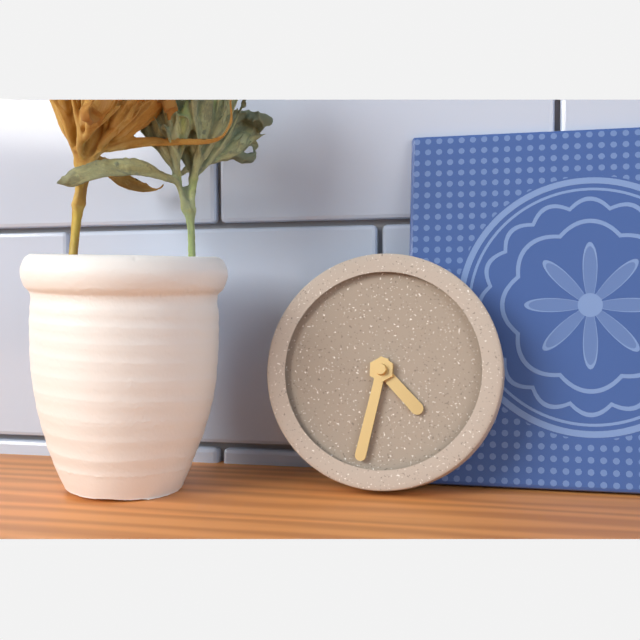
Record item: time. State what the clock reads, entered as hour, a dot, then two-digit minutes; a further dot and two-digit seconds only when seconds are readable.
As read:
4.32
